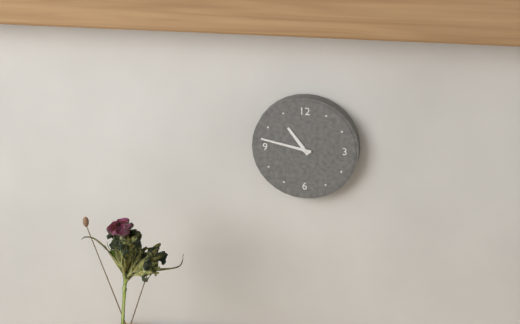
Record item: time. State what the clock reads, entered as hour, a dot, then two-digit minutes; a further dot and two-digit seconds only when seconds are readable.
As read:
10.47
